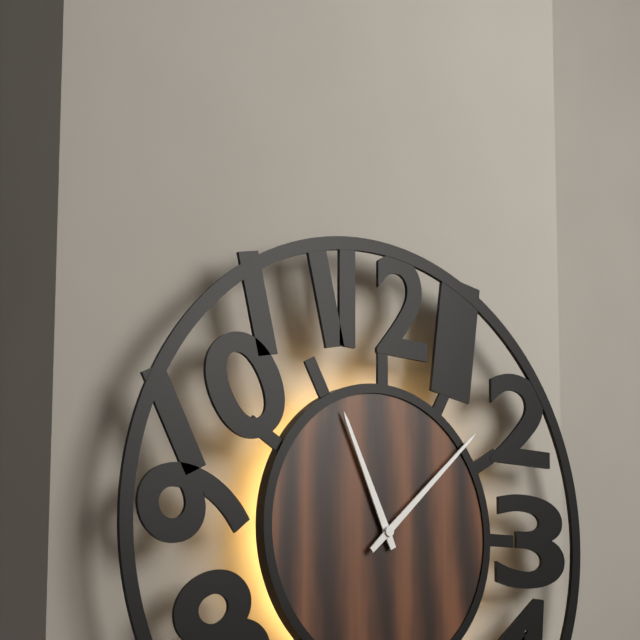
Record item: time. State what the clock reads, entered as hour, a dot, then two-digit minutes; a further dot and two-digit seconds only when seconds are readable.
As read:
11.08
